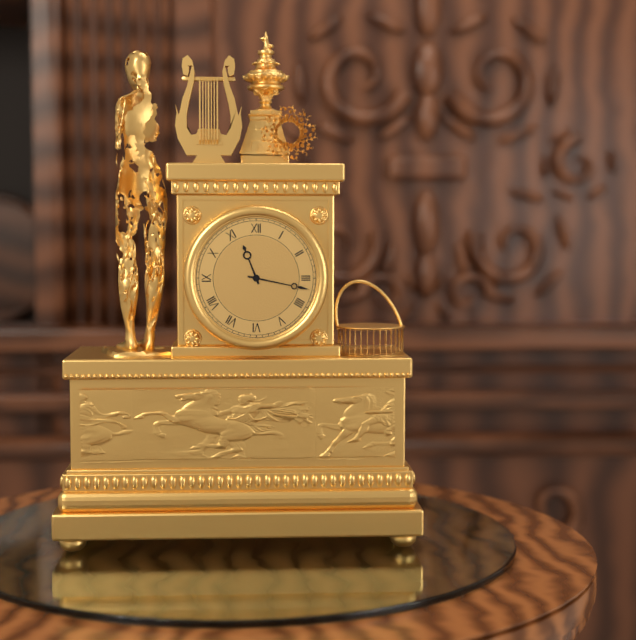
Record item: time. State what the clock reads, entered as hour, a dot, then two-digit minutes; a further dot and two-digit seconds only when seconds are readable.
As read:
11.17
